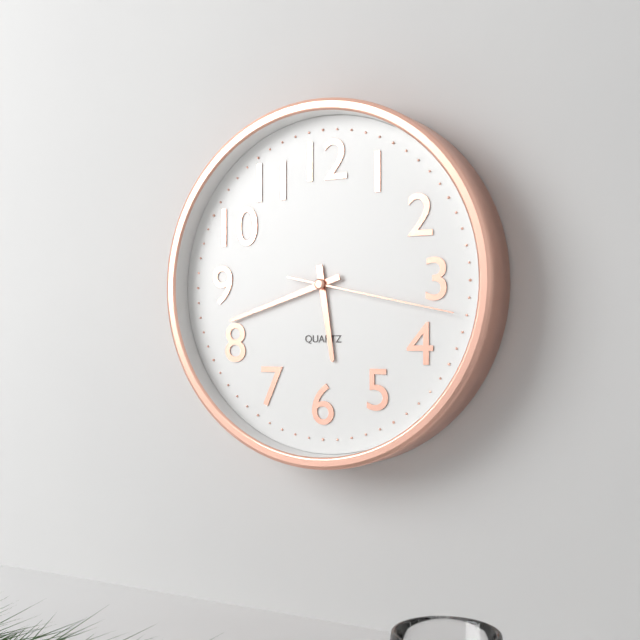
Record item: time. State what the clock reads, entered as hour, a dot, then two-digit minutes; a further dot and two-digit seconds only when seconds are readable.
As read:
5.42.17
